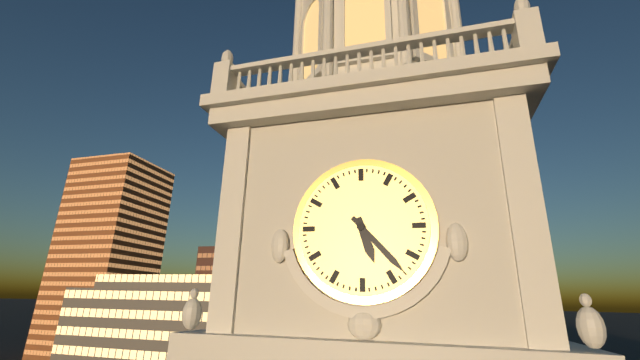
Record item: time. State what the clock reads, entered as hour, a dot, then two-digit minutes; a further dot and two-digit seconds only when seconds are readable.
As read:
5.23
